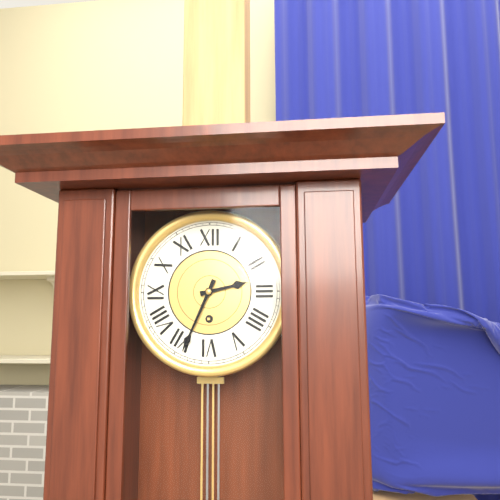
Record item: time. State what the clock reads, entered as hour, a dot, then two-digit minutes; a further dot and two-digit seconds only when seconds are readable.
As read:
2.34
